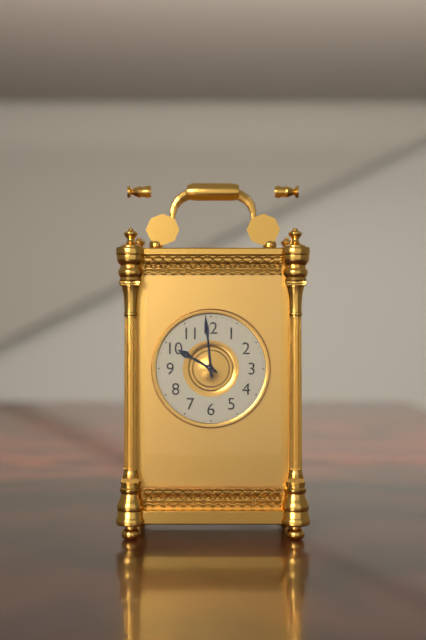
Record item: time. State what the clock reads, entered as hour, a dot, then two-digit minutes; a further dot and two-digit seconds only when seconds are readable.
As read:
9.59
